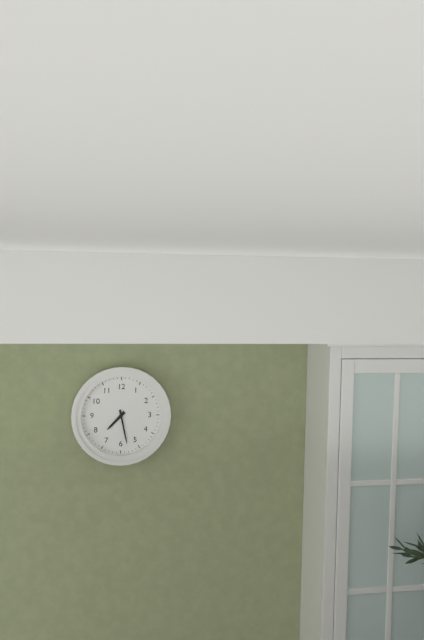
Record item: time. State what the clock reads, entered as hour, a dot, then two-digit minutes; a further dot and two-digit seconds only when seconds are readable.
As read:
7.28
